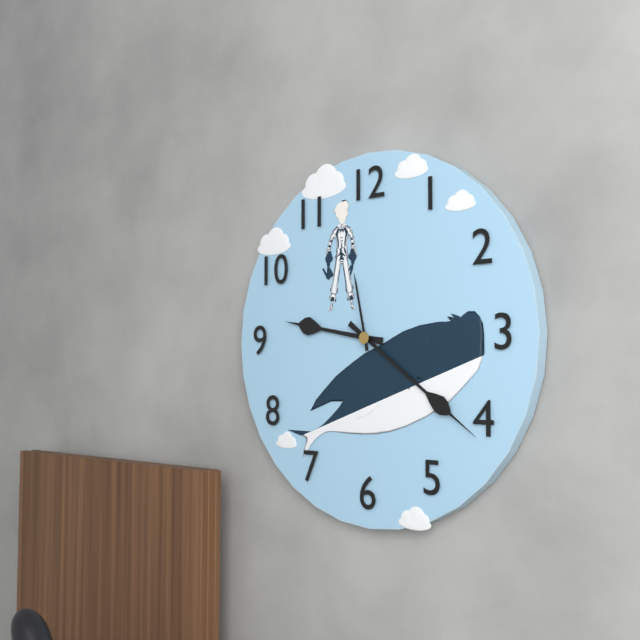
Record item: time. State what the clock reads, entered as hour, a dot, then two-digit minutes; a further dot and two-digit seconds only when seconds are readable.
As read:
9.21.58
